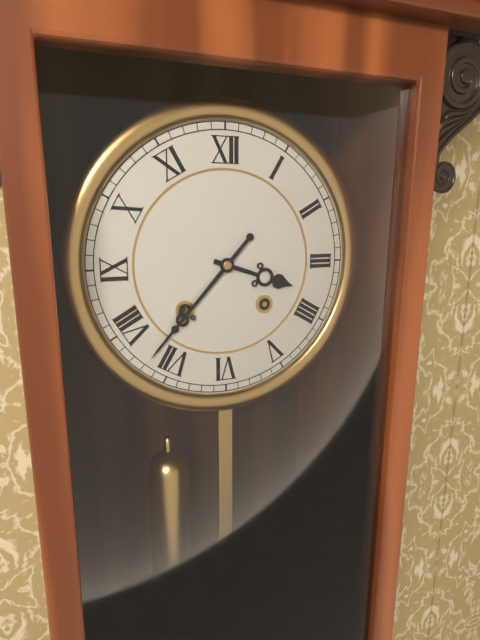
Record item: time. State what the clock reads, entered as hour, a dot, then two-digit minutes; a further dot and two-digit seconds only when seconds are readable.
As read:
3.37
